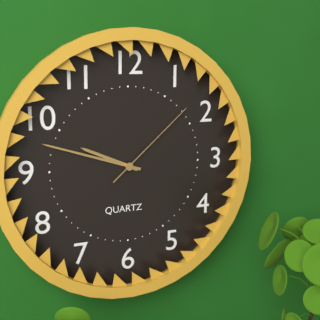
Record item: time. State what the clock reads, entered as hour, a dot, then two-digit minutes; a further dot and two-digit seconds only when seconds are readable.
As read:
9.48.08
